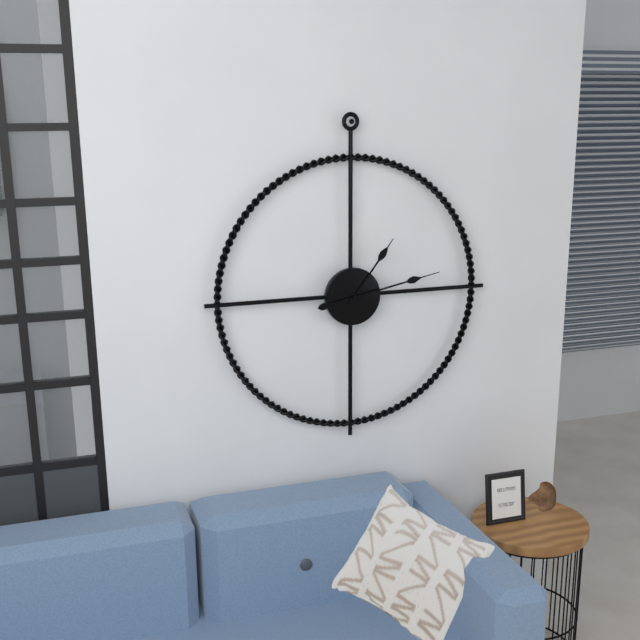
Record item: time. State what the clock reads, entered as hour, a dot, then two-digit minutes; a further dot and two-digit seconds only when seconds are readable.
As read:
1.13
